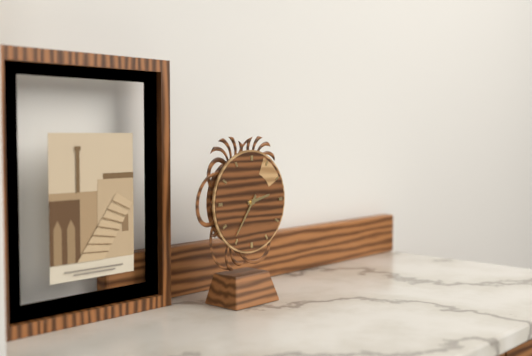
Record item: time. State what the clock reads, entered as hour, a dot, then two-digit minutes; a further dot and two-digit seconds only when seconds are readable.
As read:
2.36
